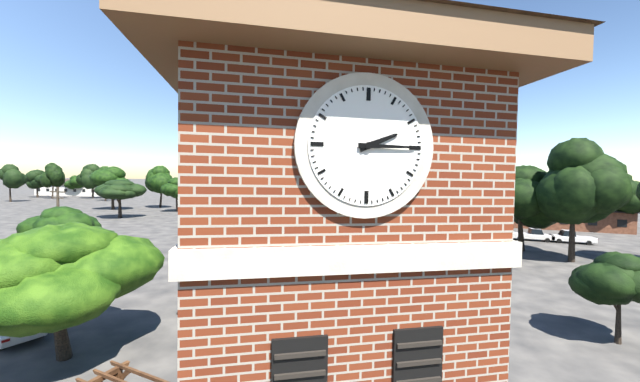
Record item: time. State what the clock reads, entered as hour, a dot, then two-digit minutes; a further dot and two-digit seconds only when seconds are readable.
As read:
2.15
